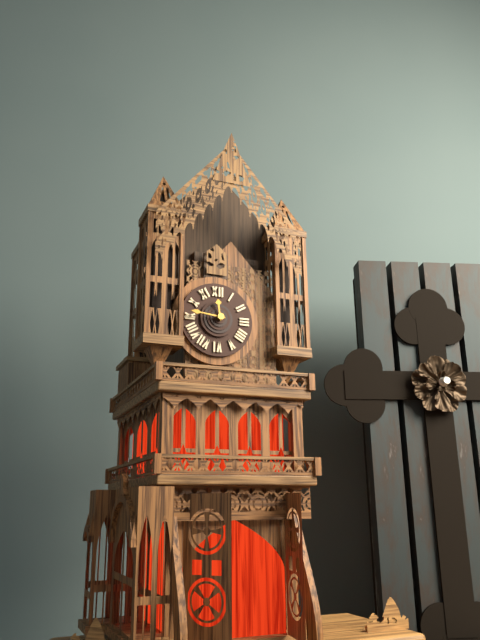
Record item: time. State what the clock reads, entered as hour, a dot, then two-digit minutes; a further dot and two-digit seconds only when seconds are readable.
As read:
11.46
